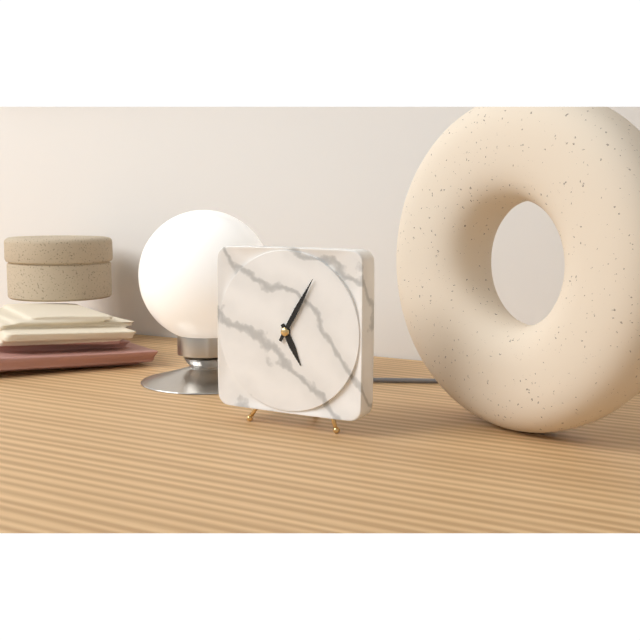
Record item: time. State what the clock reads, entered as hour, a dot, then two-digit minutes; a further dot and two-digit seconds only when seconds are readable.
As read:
5.05
